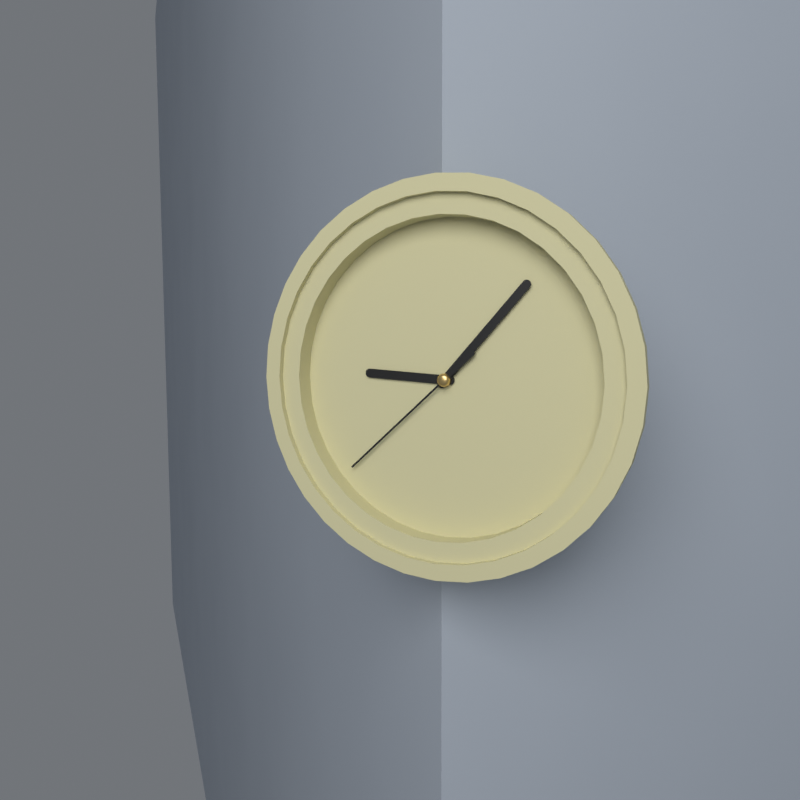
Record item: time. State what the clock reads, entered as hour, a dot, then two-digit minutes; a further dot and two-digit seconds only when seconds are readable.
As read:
9.07.38
